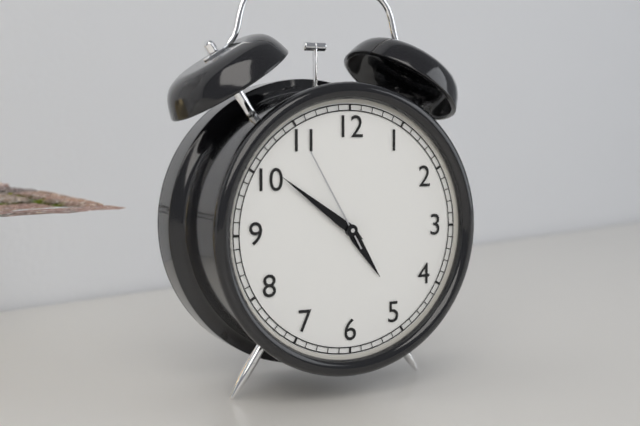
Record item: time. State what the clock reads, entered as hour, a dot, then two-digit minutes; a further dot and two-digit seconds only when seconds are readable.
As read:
4.51.55
